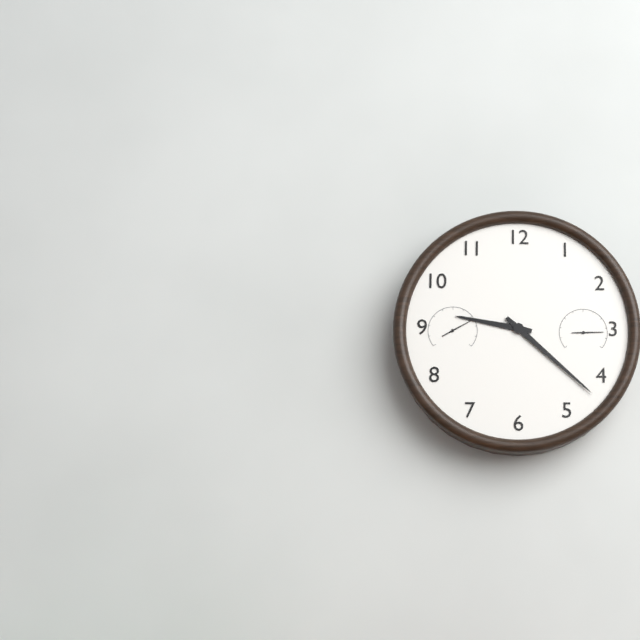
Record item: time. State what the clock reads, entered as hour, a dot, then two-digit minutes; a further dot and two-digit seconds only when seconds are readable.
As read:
9.22
